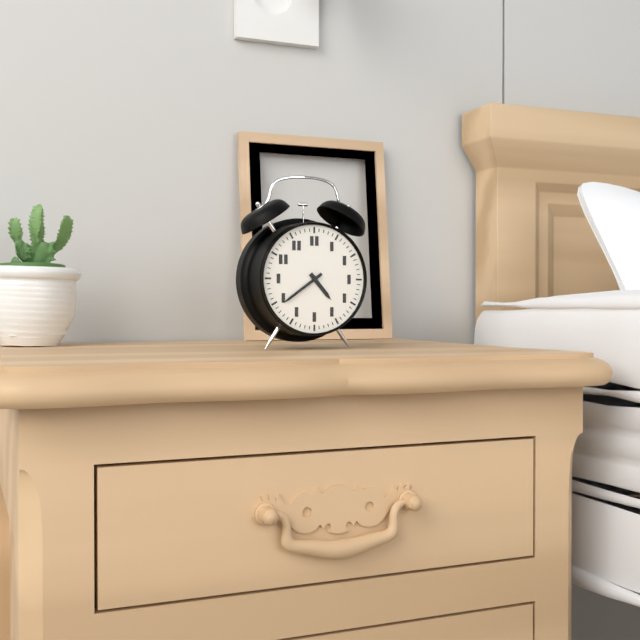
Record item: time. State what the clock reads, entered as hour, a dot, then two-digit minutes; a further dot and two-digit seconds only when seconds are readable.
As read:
4.39
